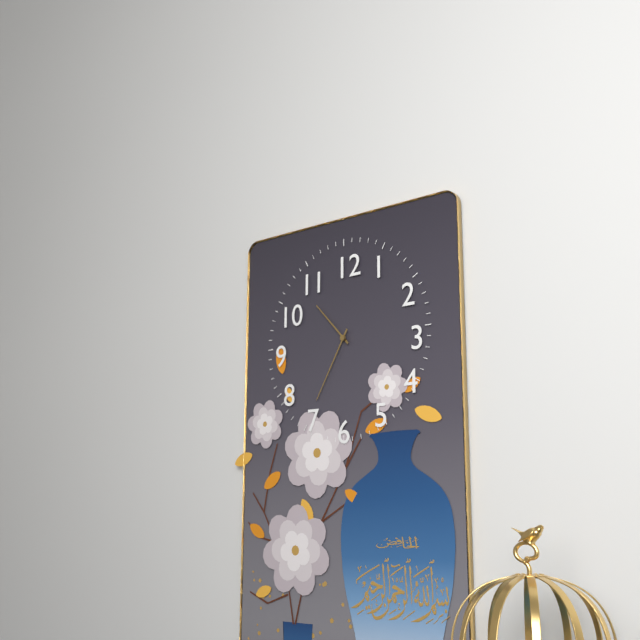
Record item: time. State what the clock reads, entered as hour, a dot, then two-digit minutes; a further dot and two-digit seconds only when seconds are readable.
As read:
10.35
